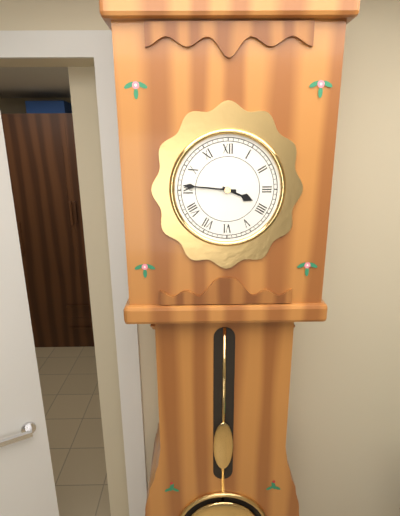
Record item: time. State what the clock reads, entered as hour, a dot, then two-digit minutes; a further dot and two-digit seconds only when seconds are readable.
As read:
3.46
